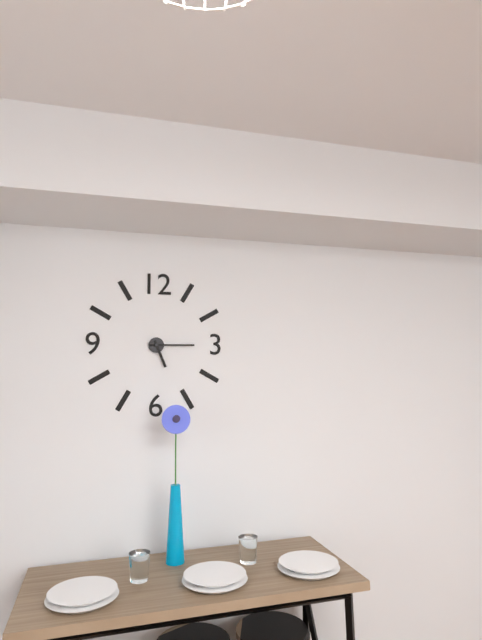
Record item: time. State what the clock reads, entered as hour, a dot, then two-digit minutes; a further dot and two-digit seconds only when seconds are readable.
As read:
5.15
